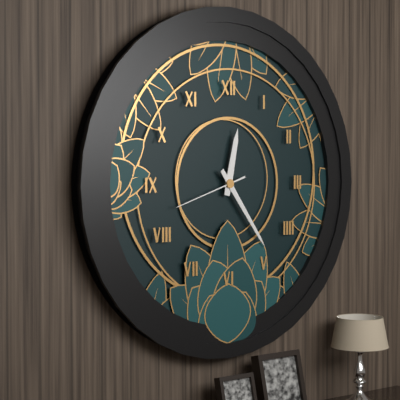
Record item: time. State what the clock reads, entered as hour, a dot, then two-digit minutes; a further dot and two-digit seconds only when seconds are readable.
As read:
12.24.42
